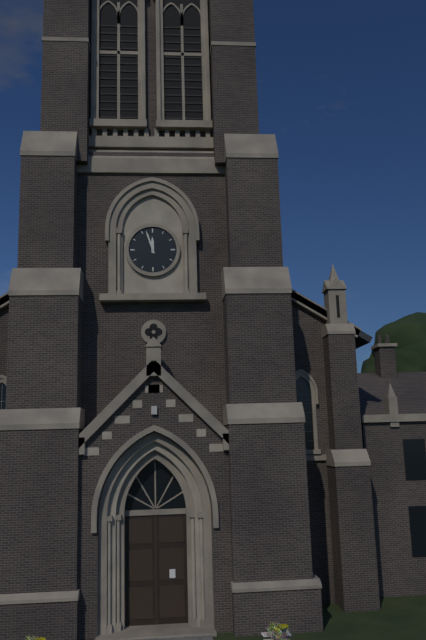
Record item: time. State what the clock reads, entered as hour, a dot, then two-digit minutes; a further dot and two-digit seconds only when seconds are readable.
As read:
11.57
